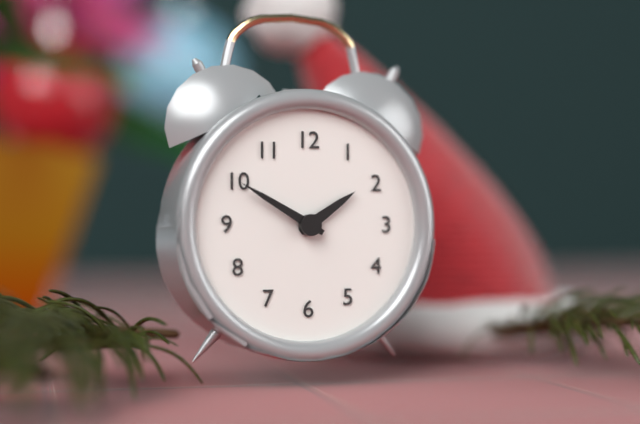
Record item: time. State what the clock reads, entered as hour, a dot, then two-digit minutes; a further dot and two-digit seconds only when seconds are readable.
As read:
1.50
